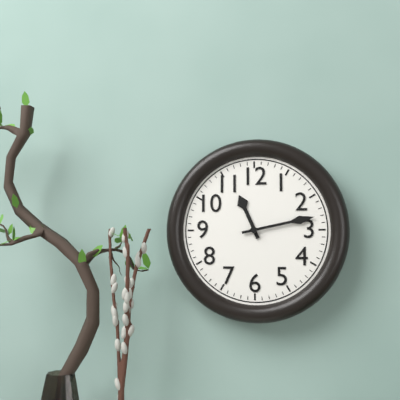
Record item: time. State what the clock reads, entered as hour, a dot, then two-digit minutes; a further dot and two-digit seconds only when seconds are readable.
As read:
11.13
